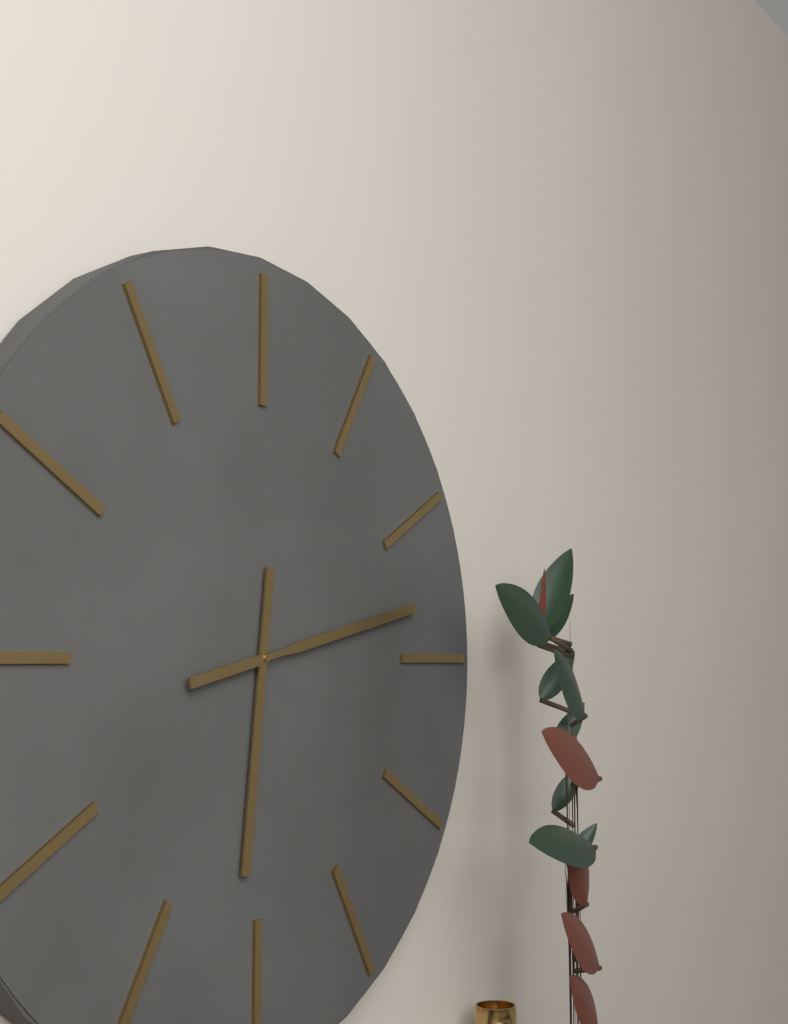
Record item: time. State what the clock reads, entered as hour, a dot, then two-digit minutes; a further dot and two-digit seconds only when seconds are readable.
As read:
6.13
